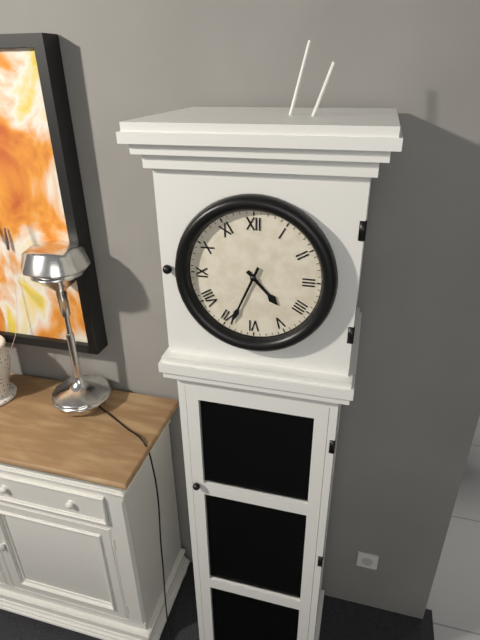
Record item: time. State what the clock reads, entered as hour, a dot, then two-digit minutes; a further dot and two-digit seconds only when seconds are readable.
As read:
4.34
